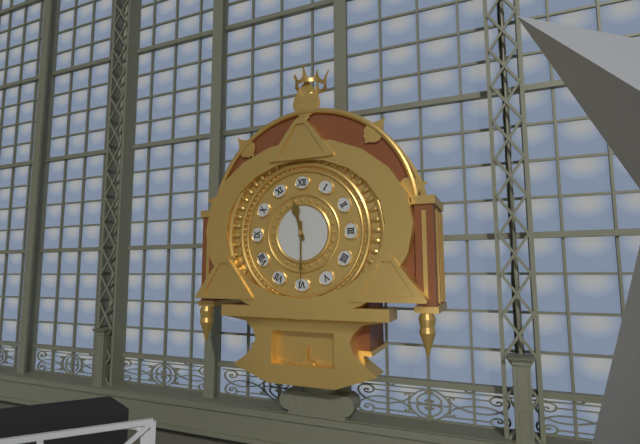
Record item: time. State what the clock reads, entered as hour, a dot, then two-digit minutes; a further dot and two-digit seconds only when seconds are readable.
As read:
11.30
